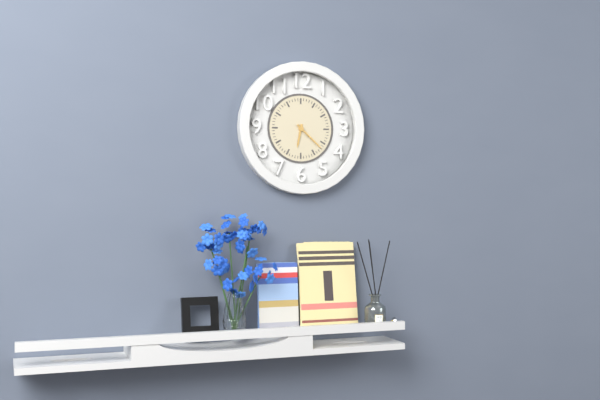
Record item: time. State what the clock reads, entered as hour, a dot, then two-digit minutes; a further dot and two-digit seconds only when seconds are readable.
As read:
6.22
